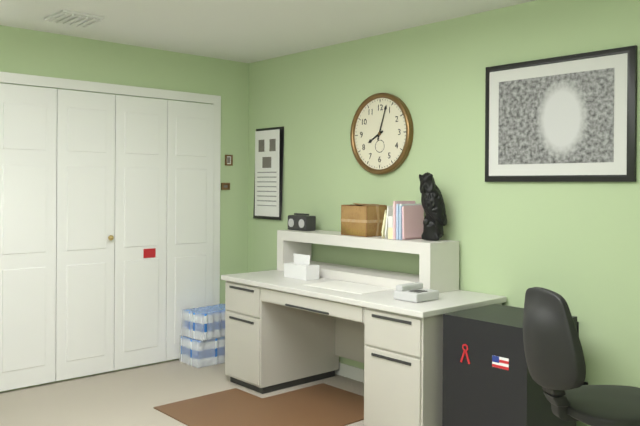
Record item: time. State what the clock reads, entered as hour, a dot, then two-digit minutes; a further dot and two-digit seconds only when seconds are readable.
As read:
8.03
